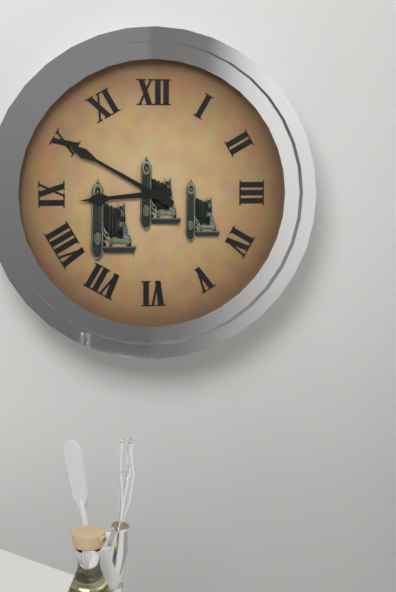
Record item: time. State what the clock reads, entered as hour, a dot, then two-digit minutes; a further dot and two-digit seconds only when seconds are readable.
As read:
8.50
